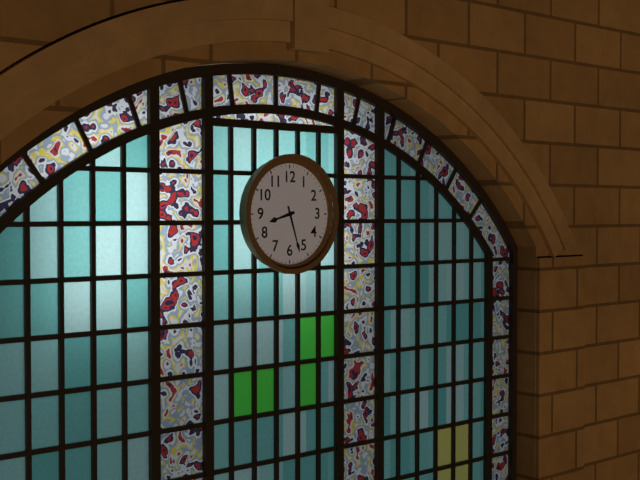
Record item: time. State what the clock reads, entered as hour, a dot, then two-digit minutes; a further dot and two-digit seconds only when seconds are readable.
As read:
8.27
